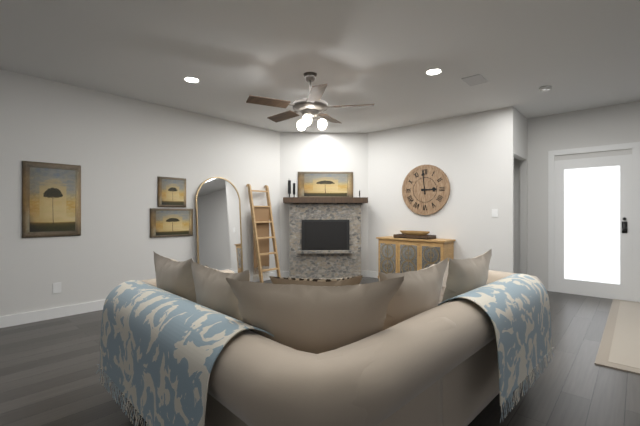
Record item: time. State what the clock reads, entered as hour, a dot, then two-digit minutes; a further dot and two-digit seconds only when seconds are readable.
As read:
2.59
